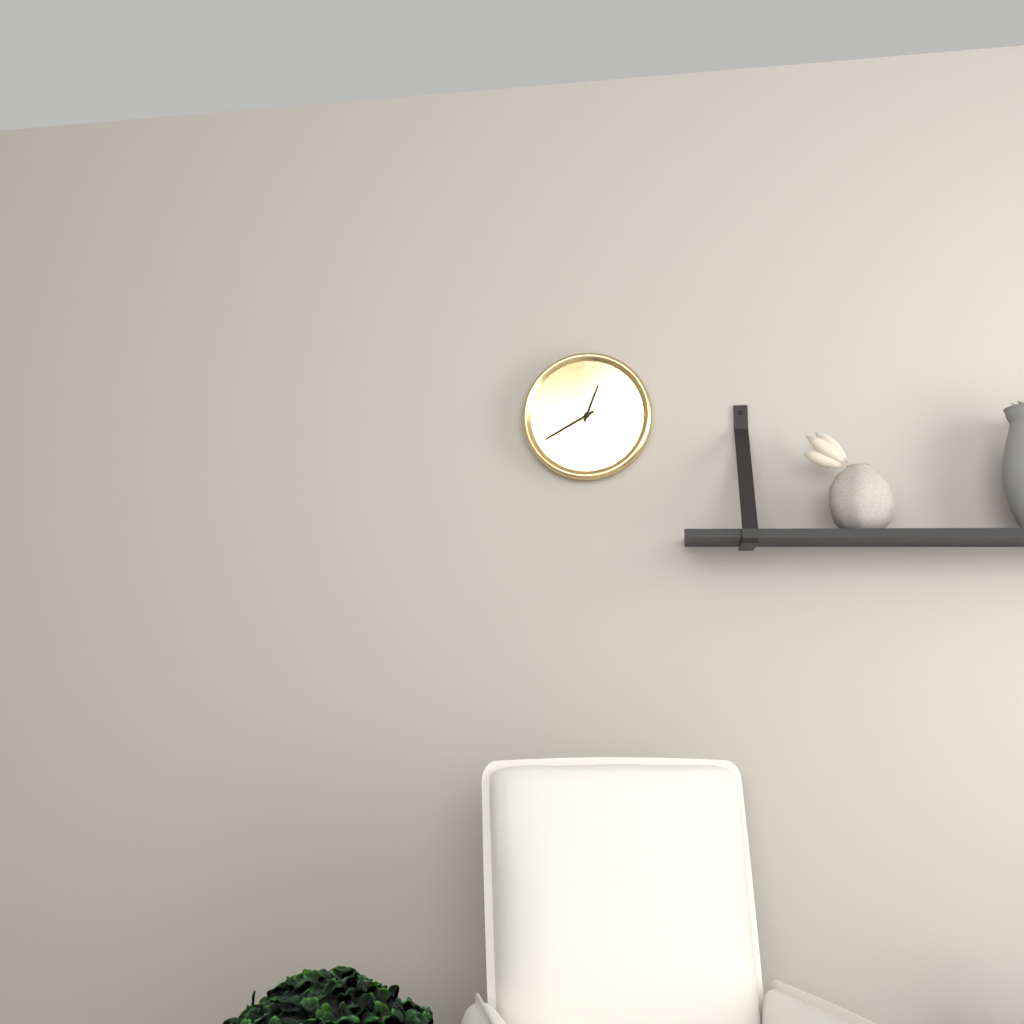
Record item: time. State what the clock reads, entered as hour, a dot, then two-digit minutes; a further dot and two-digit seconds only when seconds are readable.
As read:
12.40
